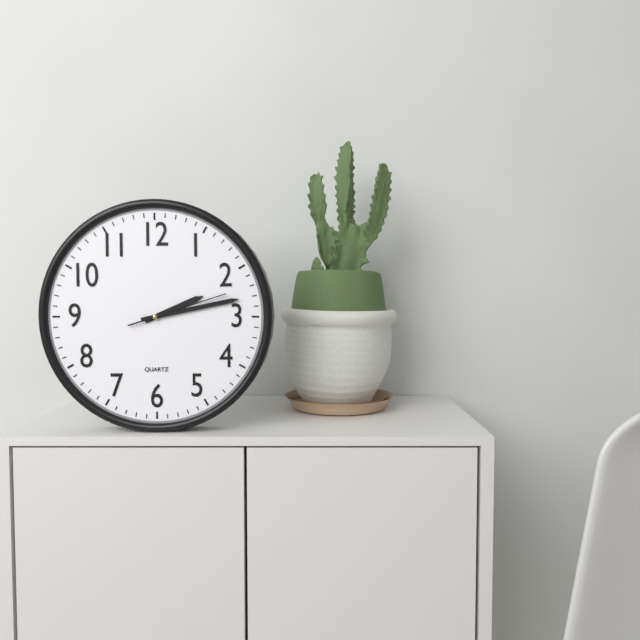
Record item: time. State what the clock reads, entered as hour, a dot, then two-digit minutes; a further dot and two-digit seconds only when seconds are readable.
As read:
2.13.12
